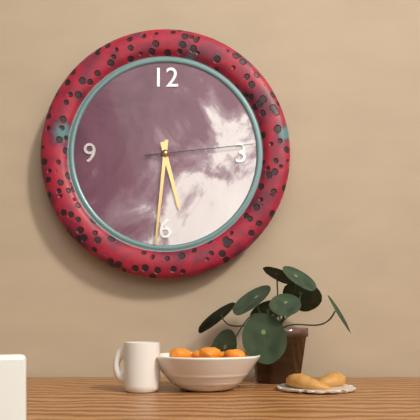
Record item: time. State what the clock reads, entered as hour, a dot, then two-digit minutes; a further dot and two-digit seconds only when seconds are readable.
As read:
5.31.14
